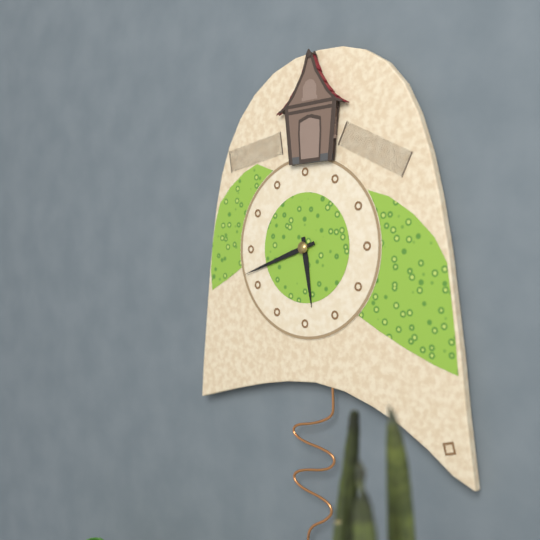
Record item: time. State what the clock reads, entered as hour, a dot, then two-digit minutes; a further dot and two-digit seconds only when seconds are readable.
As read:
5.42
